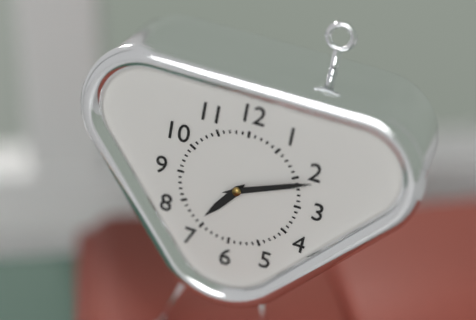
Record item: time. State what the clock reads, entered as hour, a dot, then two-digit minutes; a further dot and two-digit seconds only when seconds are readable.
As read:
7.11
